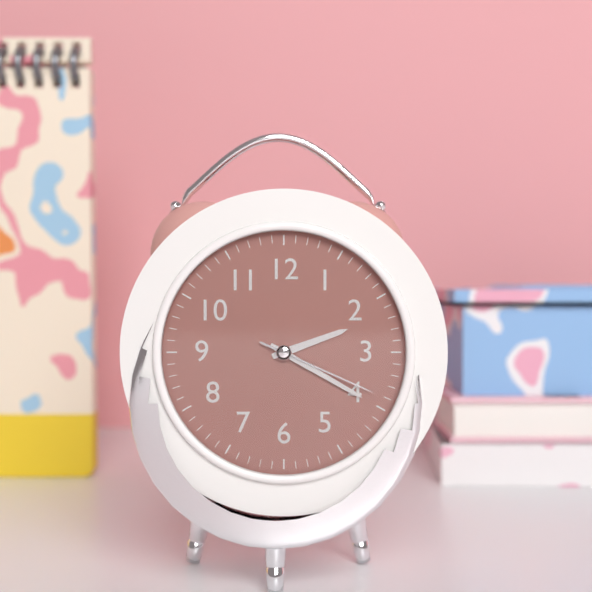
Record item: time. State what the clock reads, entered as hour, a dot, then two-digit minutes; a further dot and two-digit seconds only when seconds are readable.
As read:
2.20.19
